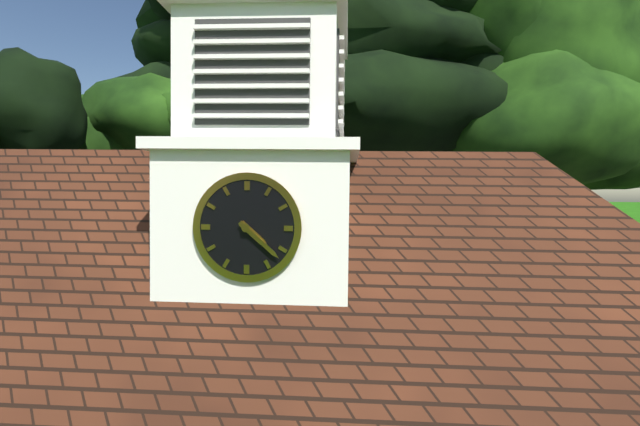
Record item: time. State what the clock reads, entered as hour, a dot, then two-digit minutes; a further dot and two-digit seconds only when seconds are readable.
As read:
4.22
